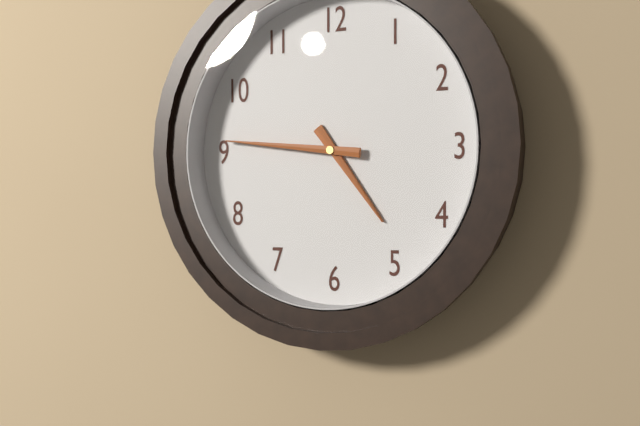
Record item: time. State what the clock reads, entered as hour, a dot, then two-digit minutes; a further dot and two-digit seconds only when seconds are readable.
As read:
4.46
